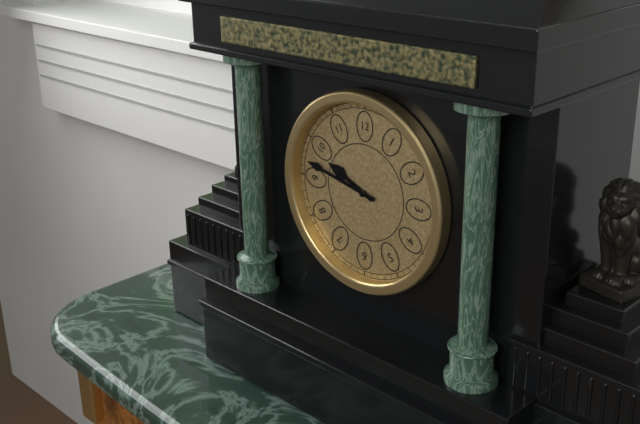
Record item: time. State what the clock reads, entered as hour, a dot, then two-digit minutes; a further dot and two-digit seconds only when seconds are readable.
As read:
9.47
